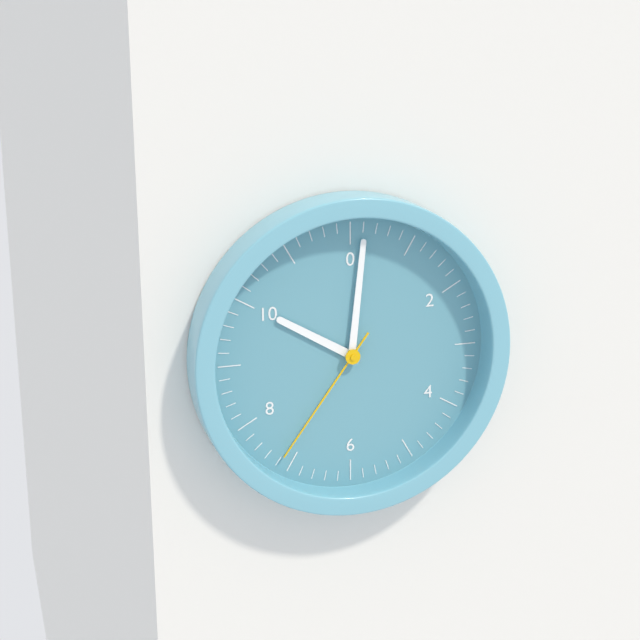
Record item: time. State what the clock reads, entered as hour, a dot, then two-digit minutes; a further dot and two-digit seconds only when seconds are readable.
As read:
10.01.36
